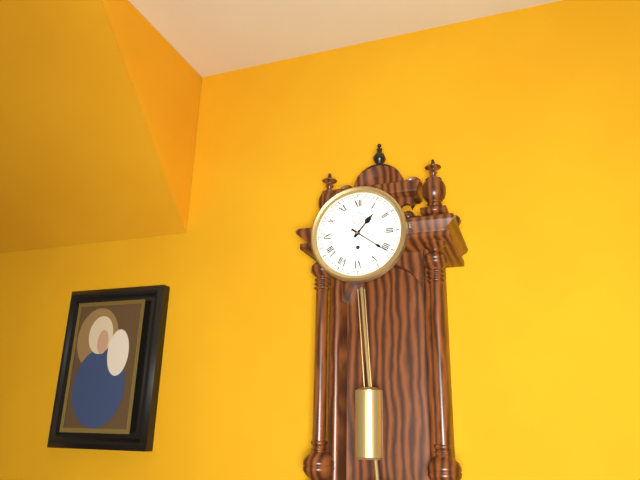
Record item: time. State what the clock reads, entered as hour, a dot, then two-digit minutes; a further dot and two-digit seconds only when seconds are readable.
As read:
1.21
